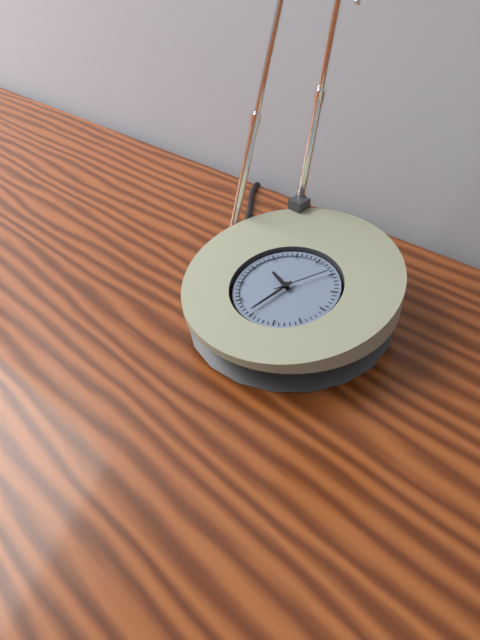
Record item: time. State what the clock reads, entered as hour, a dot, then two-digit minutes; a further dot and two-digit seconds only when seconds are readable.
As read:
9.31.04
